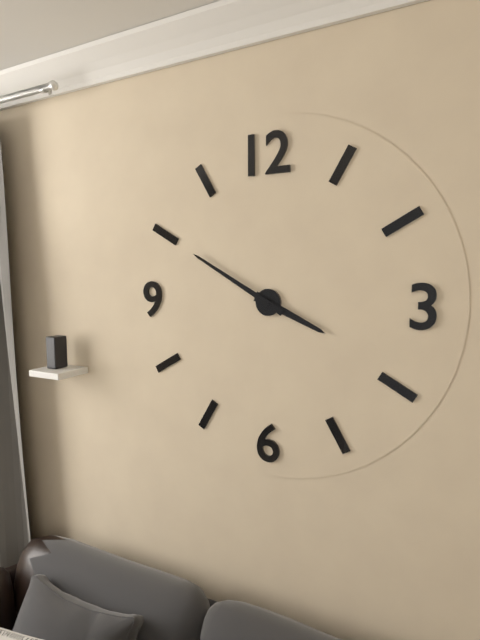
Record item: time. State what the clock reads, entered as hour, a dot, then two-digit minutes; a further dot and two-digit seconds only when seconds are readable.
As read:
3.50
